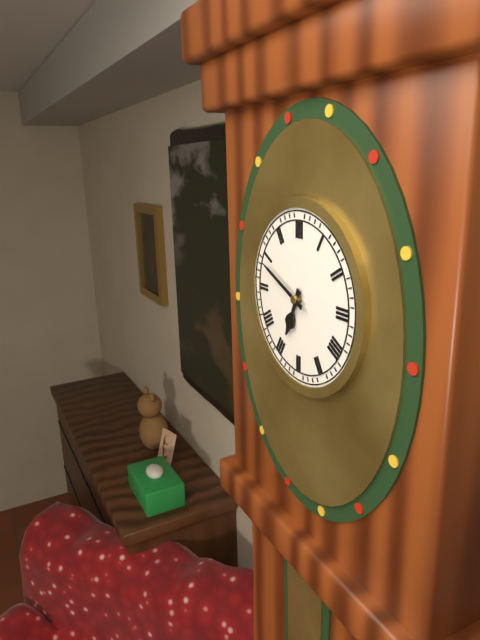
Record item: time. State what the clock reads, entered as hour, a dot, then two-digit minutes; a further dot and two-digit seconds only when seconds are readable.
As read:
6.49
